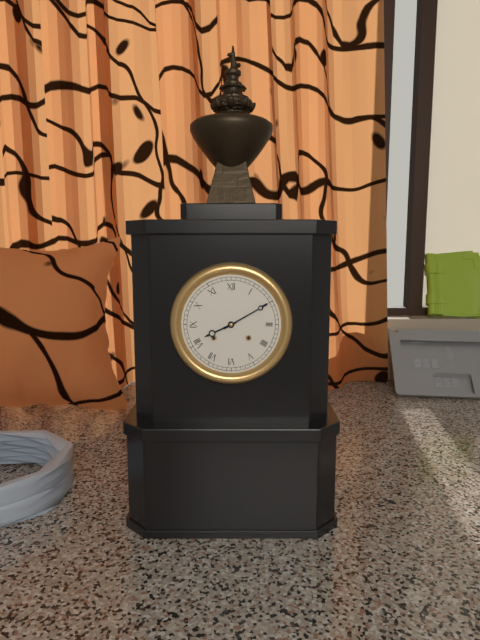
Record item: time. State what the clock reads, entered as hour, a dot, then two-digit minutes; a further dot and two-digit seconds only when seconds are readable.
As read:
8.10
